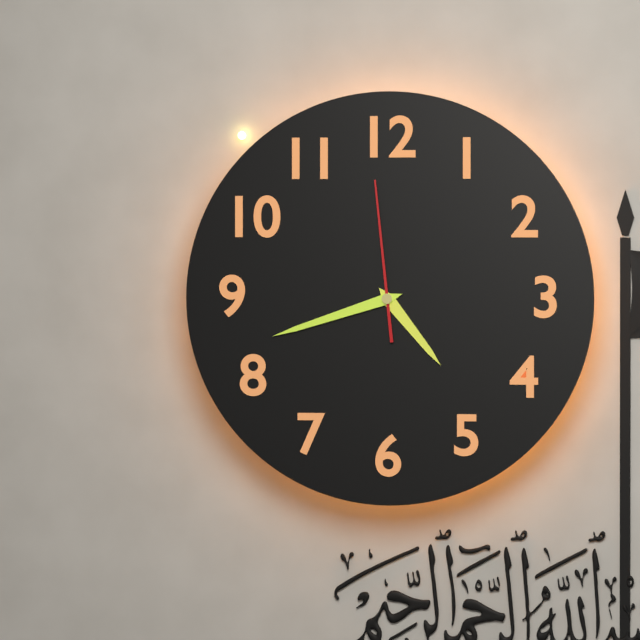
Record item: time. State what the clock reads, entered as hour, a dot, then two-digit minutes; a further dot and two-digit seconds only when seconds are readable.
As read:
4.42.59
